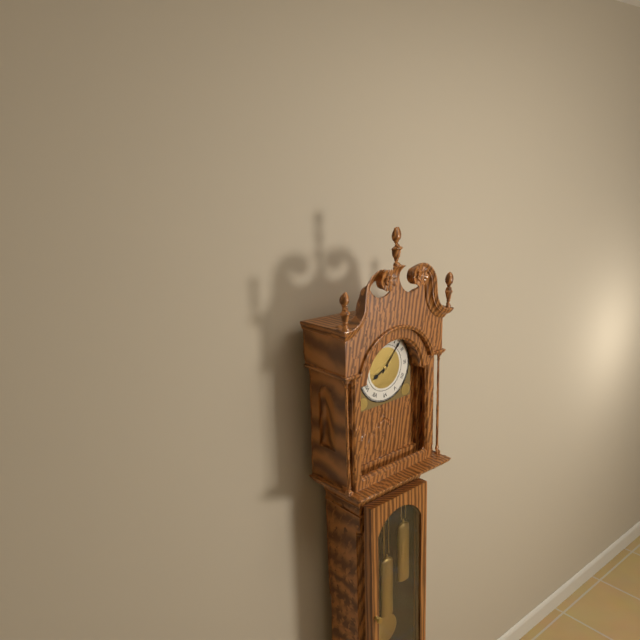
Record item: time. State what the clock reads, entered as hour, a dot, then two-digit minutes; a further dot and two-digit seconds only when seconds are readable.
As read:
8.07
